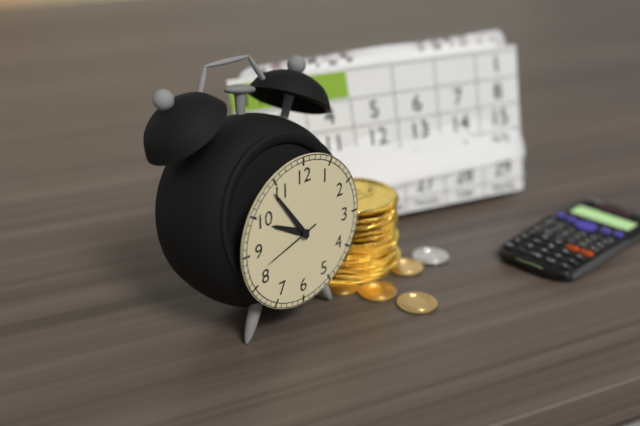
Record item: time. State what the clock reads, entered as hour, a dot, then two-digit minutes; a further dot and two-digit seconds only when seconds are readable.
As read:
9.54.42
